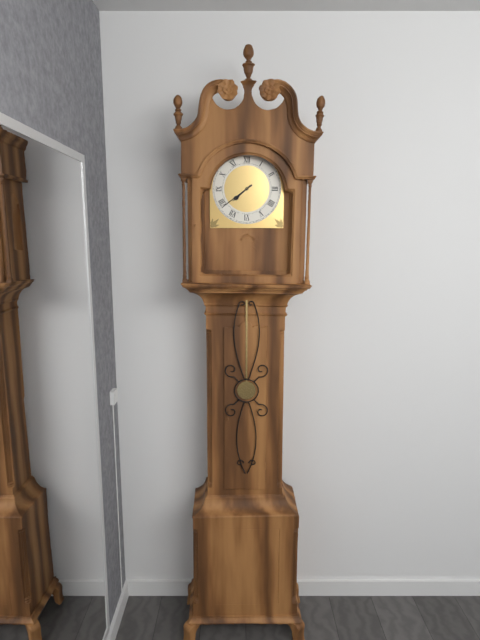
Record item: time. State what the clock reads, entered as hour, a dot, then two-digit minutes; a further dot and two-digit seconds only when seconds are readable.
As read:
7.39
